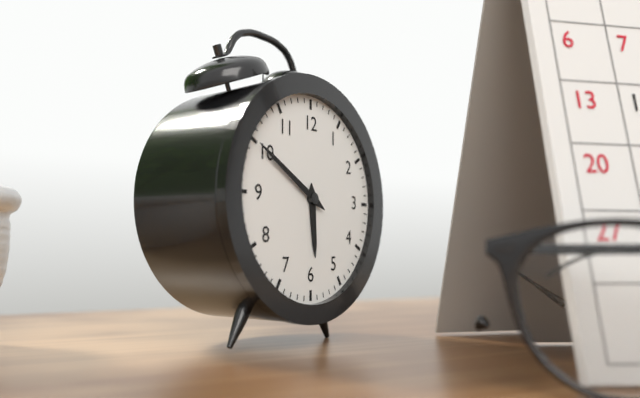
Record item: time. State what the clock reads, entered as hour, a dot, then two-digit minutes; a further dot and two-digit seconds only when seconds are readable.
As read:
5.50
